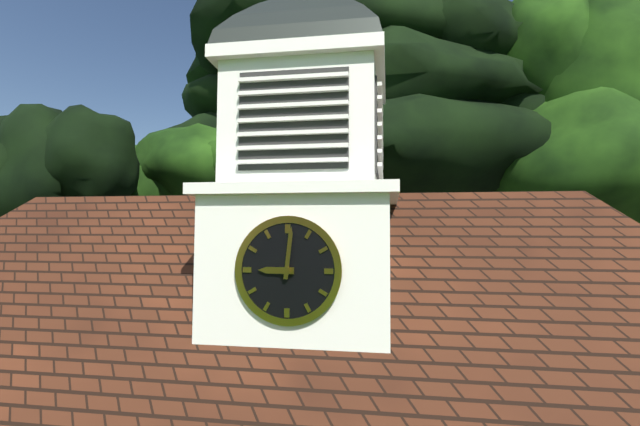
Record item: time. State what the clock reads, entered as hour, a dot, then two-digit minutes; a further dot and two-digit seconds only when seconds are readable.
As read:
9.01
